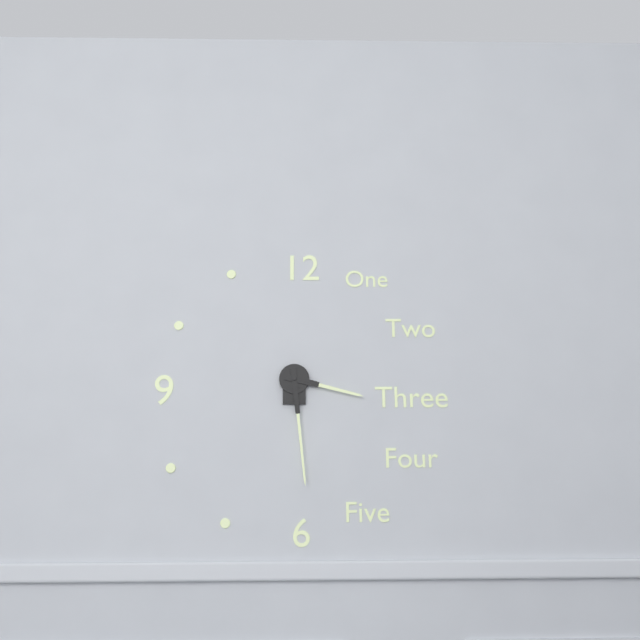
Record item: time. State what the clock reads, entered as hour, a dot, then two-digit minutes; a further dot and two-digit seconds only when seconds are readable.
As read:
3.29
